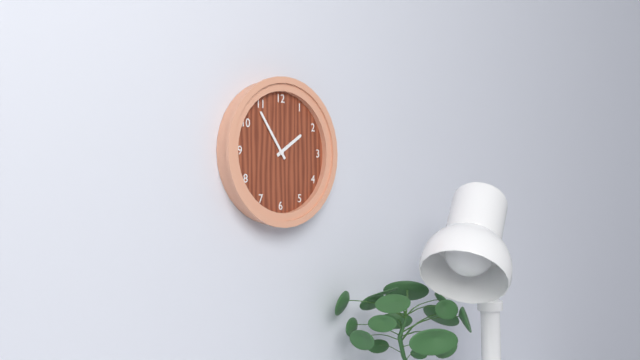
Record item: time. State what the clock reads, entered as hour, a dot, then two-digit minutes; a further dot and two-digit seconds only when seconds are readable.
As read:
1.54
